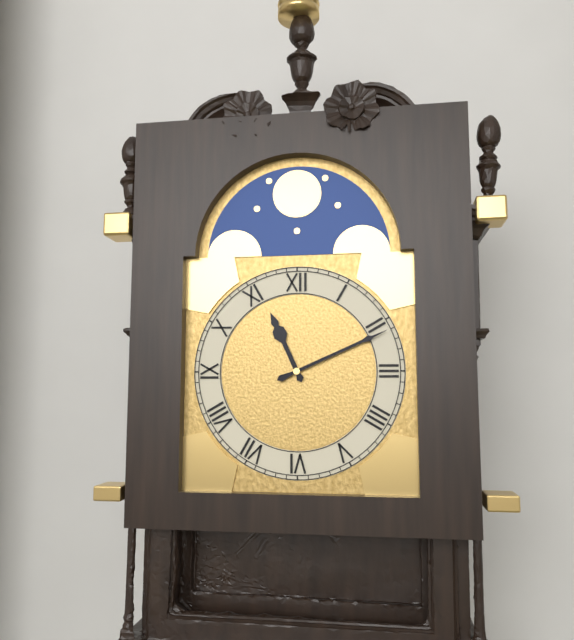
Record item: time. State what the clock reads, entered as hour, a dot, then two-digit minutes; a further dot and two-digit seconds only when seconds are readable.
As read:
11.11
